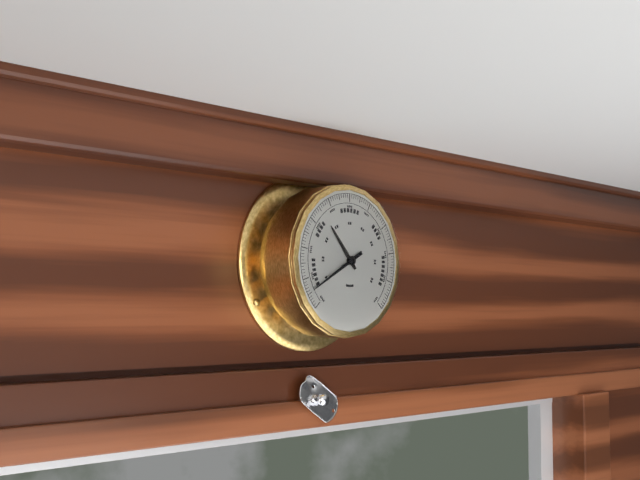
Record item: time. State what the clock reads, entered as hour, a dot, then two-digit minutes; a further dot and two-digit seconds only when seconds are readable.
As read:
10.40
